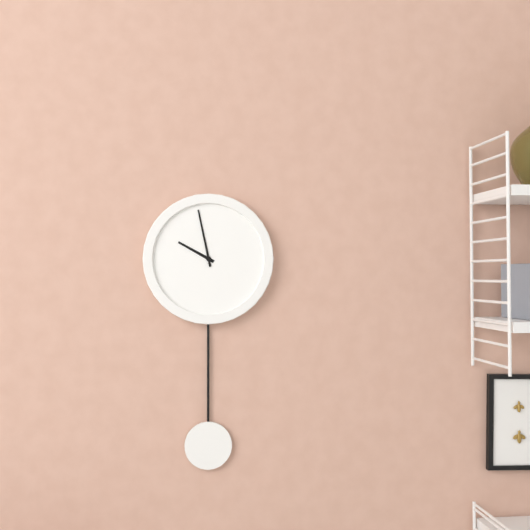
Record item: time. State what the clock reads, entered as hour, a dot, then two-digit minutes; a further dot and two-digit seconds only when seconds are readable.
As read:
9.58
